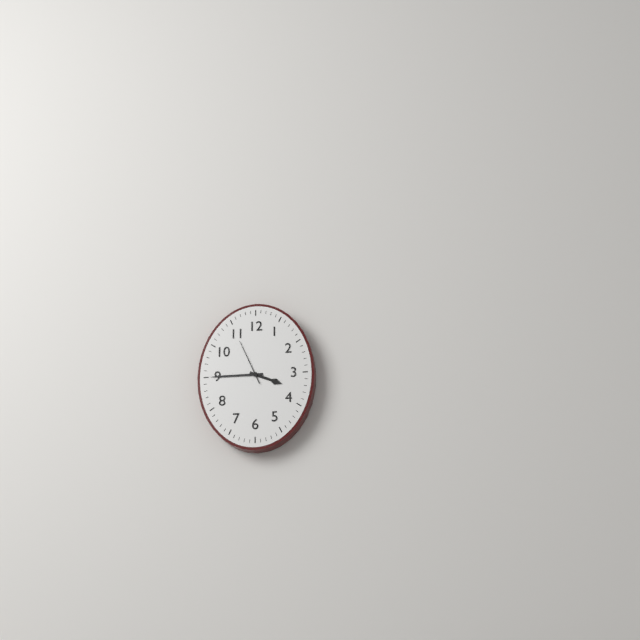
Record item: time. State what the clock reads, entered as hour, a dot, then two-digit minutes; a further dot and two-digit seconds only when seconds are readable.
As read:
3.45
